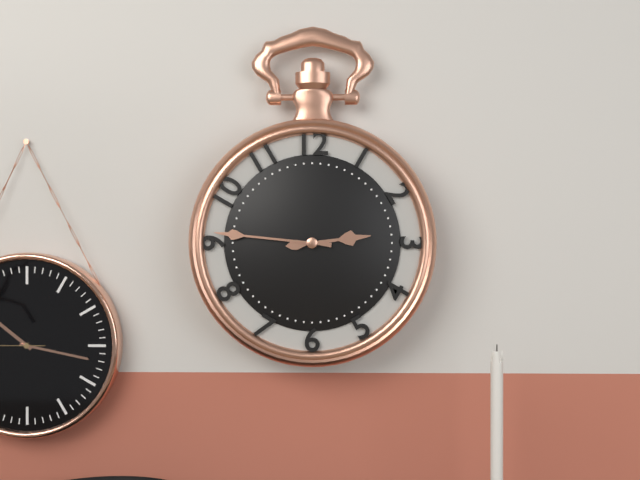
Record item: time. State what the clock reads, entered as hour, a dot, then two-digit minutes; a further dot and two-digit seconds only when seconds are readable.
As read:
2.46
